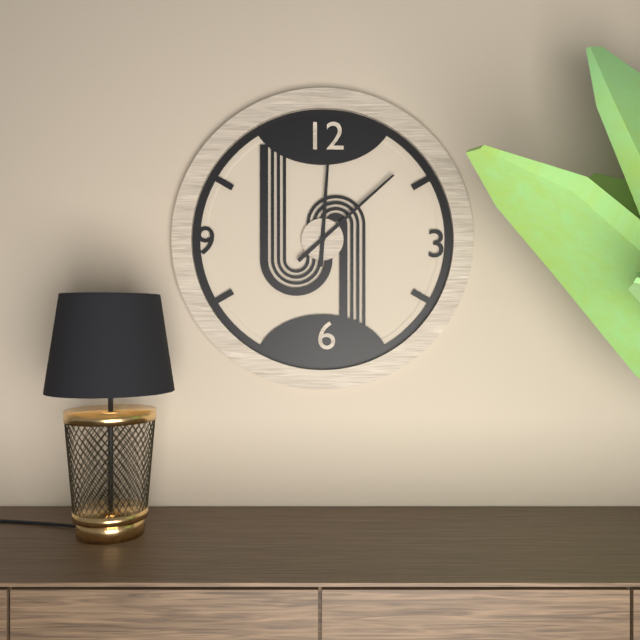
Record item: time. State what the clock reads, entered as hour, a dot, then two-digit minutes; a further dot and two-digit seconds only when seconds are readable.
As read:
12.08
